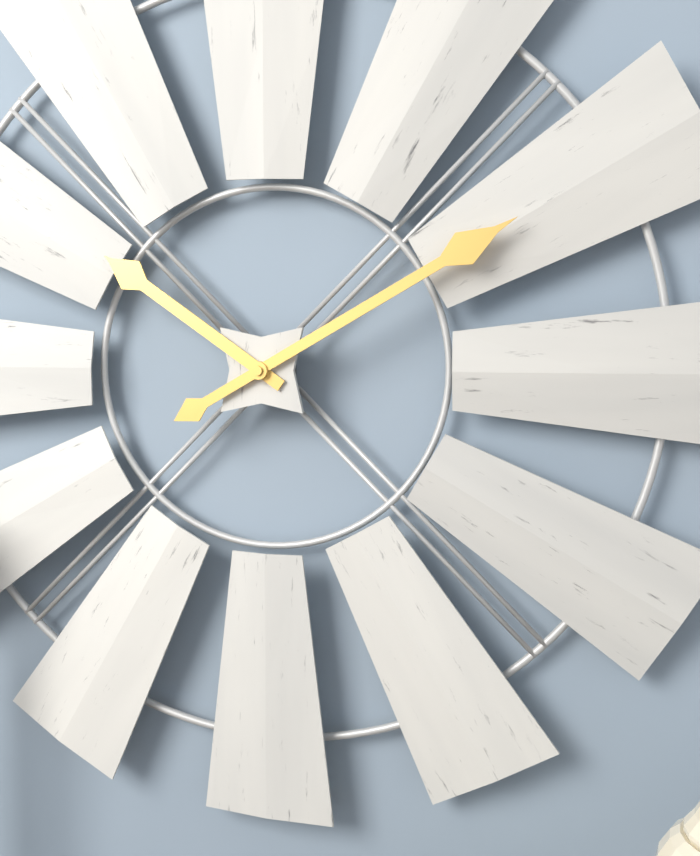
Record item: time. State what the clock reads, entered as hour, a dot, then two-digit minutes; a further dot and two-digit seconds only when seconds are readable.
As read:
10.10
